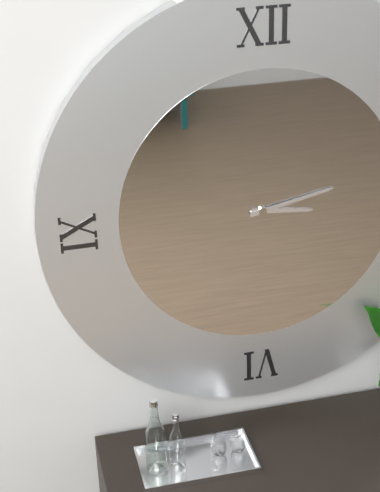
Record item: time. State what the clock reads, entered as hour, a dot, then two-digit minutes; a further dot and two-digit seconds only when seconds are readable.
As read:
3.13
